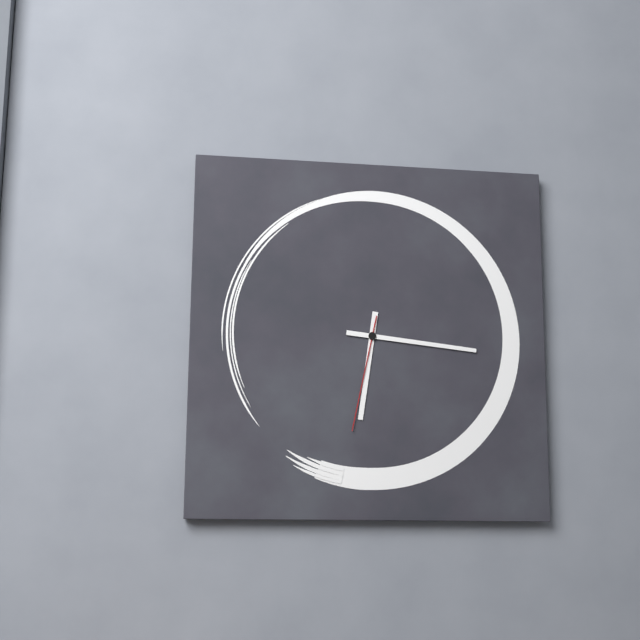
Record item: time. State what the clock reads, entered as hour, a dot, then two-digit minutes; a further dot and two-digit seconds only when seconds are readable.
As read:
6.16.32
